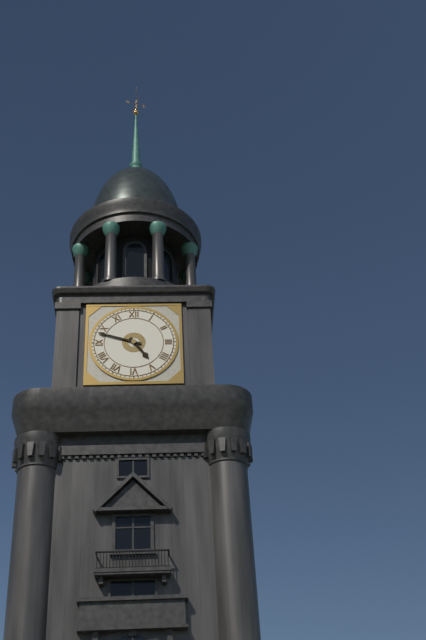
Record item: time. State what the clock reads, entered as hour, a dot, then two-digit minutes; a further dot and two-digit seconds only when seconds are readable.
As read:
4.48
